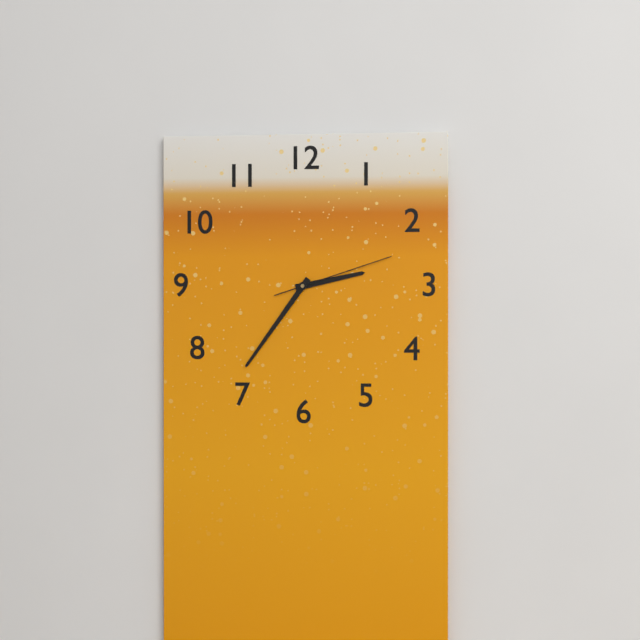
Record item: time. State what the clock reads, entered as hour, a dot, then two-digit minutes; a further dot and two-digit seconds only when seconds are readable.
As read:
2.36.12
